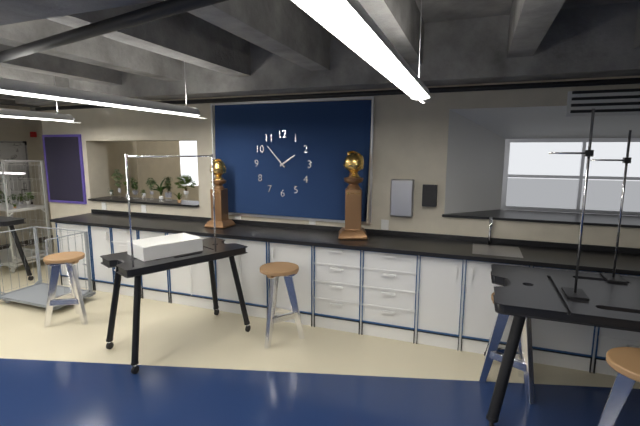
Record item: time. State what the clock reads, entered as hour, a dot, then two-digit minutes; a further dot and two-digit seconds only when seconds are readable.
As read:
1.53
